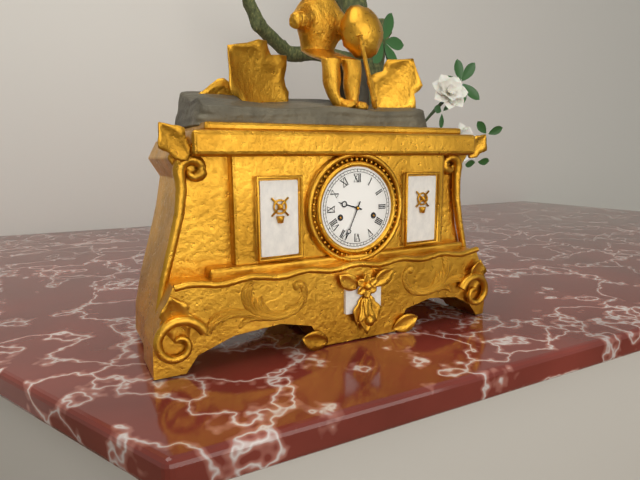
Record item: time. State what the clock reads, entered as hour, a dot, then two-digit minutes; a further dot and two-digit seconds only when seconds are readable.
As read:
9.34
